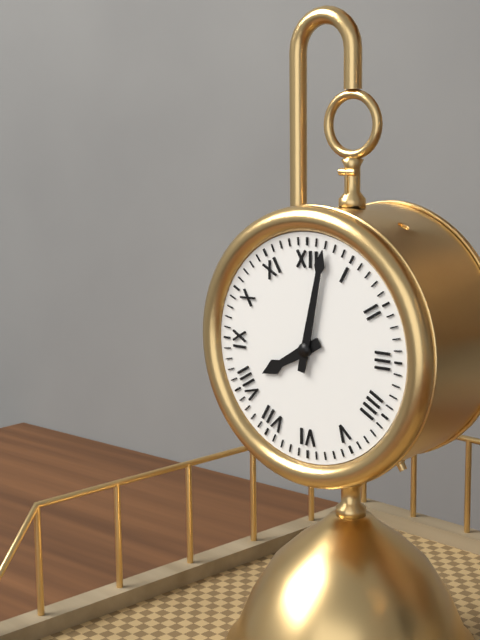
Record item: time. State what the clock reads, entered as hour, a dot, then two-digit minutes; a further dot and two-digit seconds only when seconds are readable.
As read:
8.02
